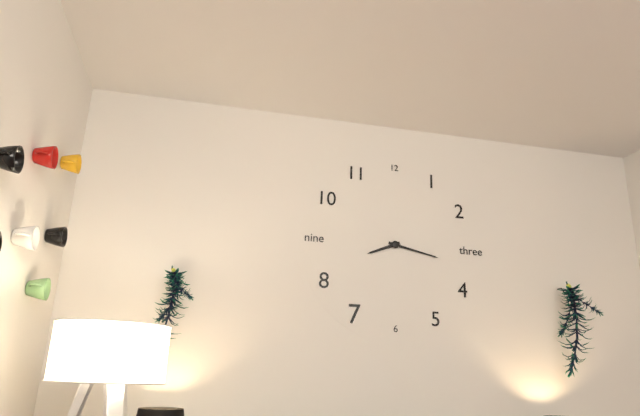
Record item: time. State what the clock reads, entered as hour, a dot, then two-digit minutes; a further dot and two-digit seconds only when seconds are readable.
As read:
8.17
